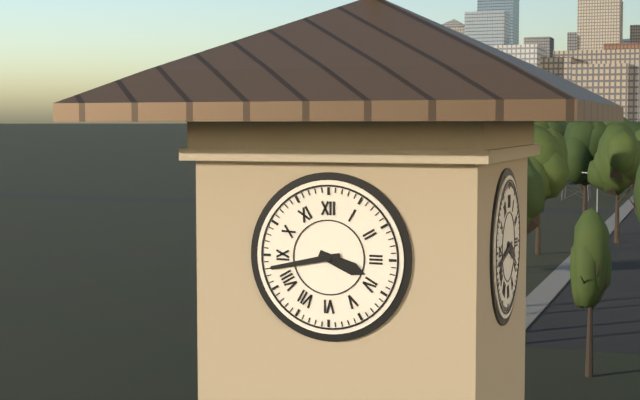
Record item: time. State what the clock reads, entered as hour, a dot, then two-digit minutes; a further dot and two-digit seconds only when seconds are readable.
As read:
3.43
